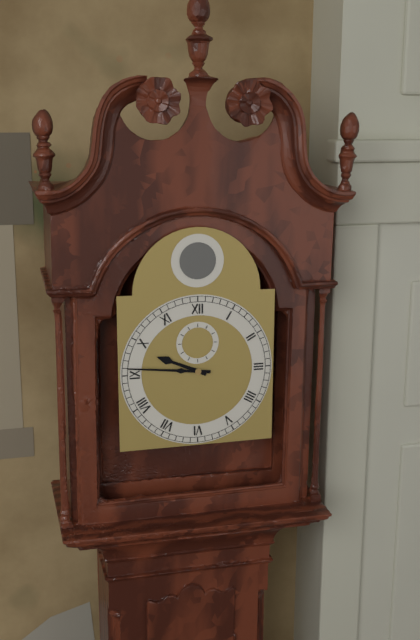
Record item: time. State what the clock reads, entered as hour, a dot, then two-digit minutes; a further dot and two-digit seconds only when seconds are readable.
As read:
9.46
